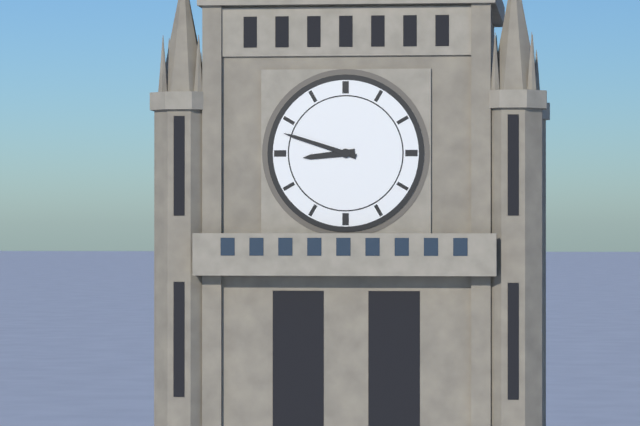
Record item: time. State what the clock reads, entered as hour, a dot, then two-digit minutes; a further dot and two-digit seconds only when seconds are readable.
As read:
8.48
